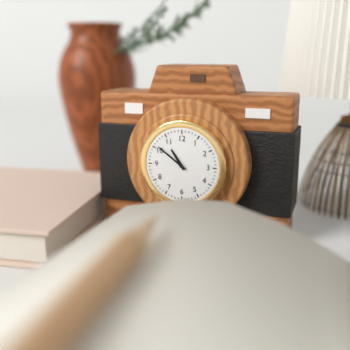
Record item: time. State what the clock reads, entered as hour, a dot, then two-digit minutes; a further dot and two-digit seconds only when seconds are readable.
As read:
10.51
